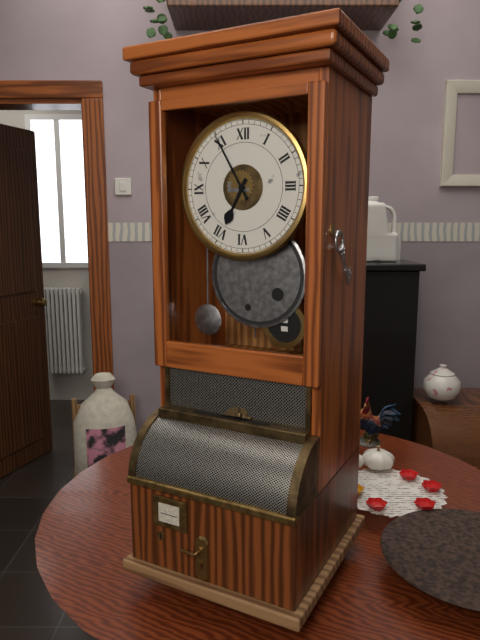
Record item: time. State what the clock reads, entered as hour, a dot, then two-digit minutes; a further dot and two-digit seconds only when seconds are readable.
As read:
6.55
